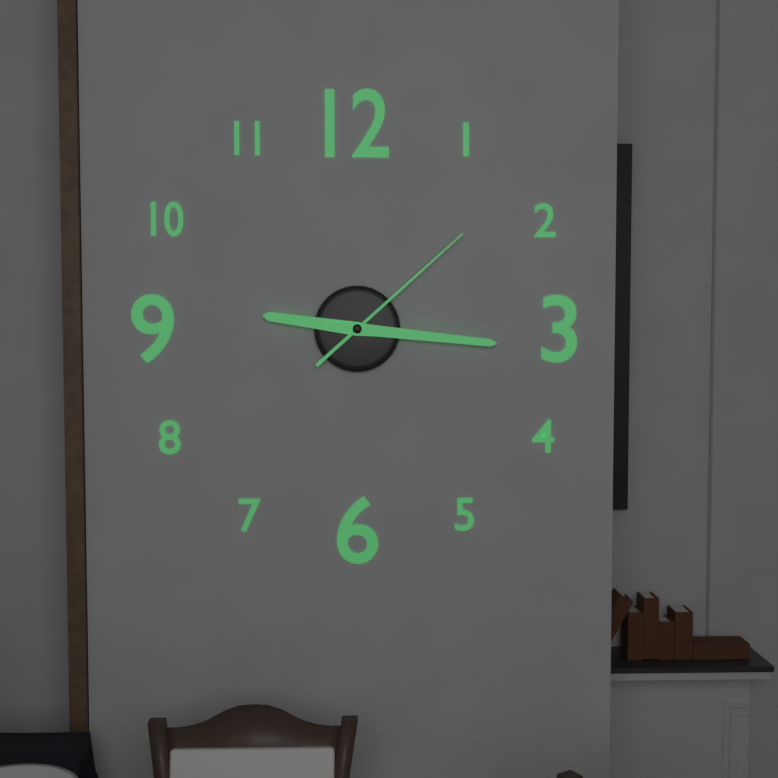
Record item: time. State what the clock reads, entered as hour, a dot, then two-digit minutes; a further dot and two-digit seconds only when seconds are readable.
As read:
9.16.08
